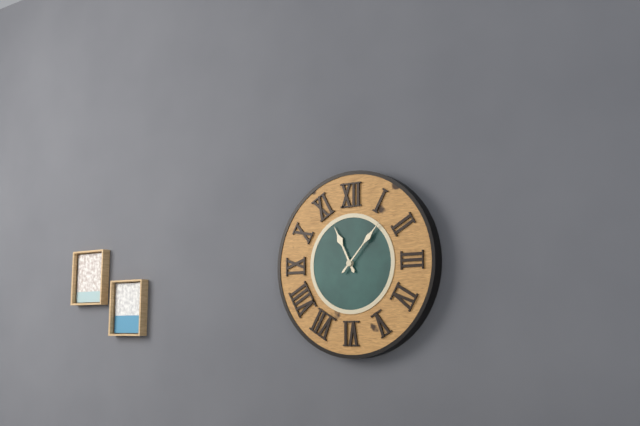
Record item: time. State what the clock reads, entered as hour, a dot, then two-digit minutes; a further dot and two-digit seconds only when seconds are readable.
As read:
11.07
